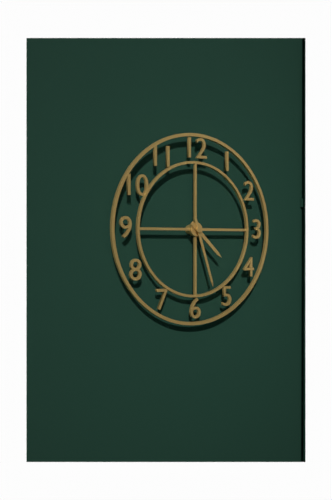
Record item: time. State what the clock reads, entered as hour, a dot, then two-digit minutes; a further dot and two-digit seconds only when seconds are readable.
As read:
4.27
